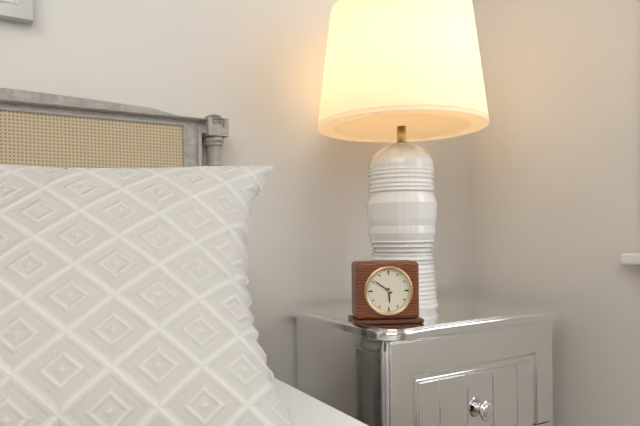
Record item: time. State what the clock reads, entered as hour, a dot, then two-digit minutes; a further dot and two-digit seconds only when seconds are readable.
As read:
5.51
